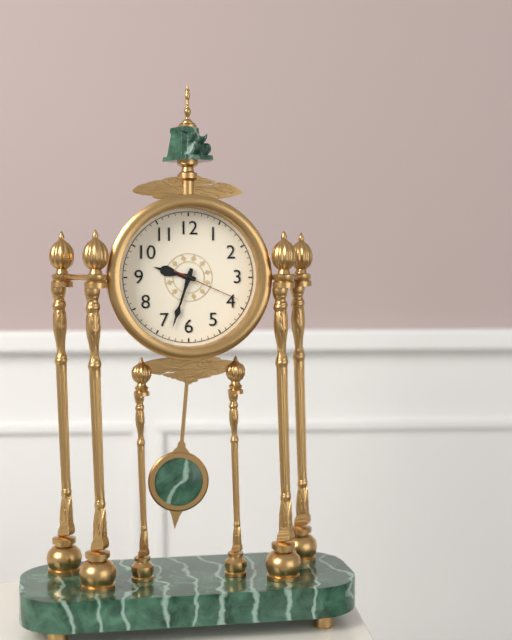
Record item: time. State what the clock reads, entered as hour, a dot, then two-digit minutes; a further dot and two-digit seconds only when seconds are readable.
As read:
9.33.19
